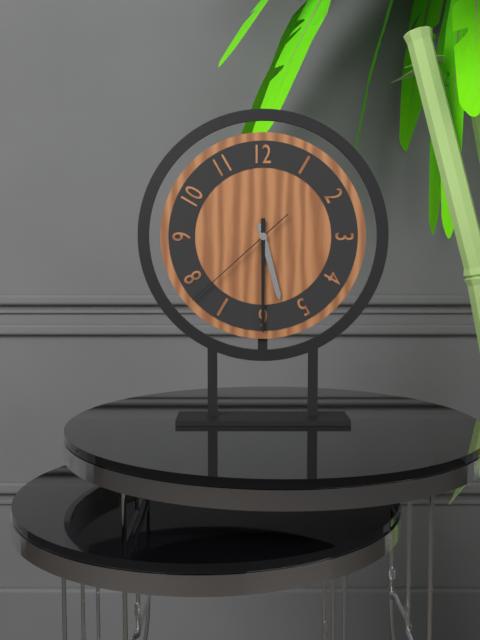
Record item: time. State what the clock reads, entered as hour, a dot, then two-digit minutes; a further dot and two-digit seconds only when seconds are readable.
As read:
5.30.38
